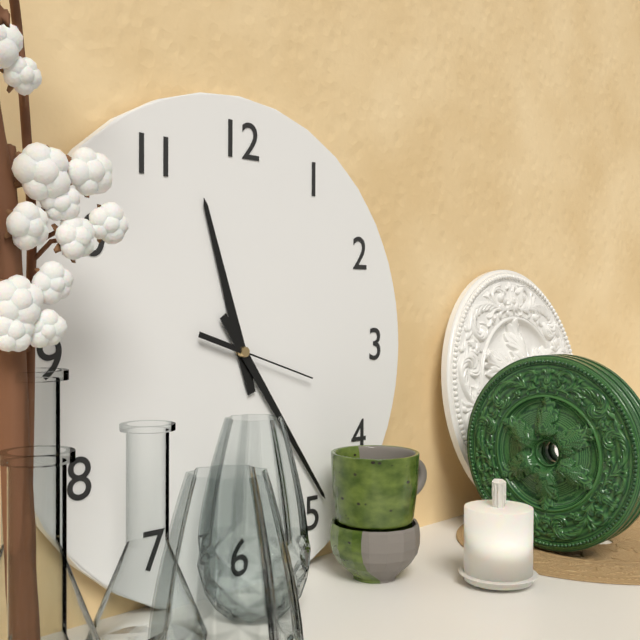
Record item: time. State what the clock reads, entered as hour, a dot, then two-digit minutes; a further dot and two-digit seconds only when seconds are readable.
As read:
11.24.18
